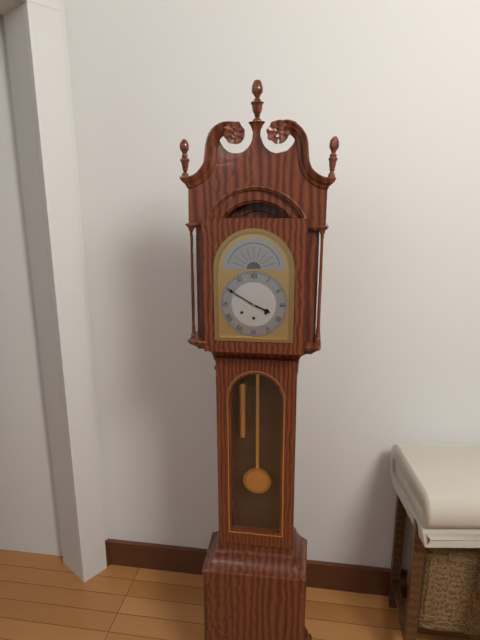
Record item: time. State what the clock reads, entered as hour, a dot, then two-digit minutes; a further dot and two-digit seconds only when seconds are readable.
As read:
3.50
